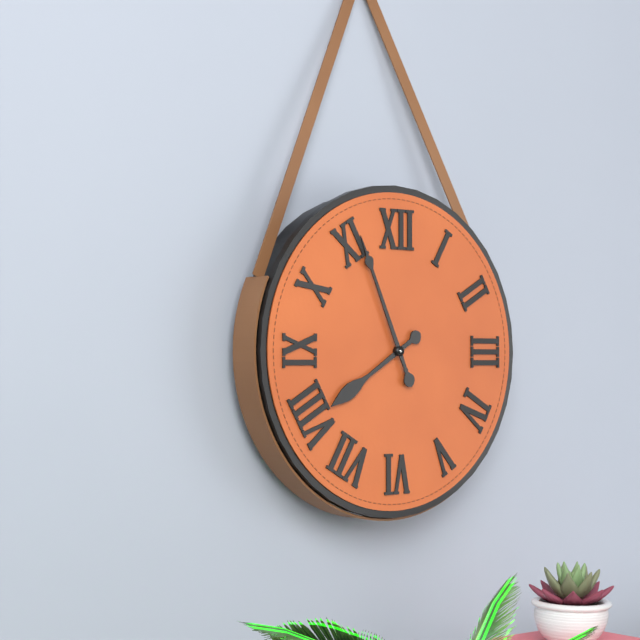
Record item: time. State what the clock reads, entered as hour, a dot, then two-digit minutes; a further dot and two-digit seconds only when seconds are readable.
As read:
7.56
